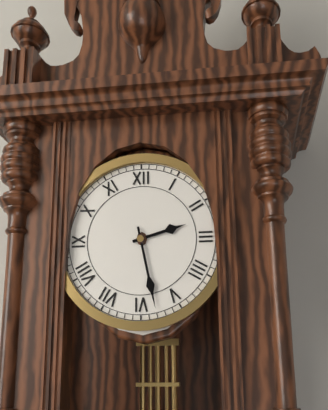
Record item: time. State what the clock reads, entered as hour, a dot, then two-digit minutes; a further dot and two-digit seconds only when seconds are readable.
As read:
2.28
